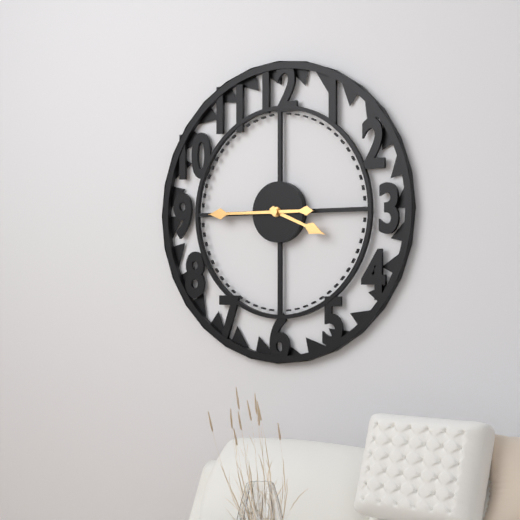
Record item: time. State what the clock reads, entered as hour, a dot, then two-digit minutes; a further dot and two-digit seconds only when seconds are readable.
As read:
3.45
